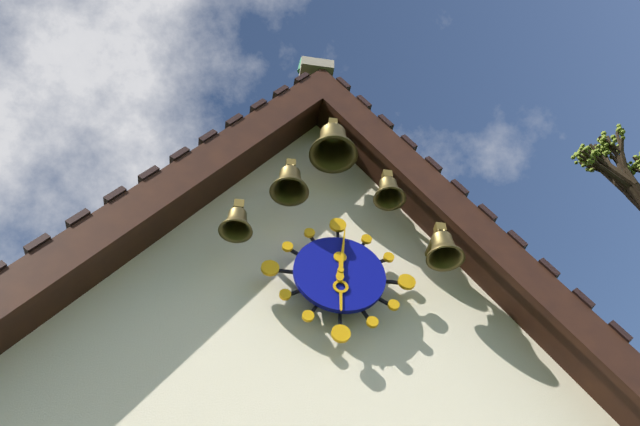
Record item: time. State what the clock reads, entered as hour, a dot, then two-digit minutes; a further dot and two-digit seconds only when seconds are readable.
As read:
6.01
